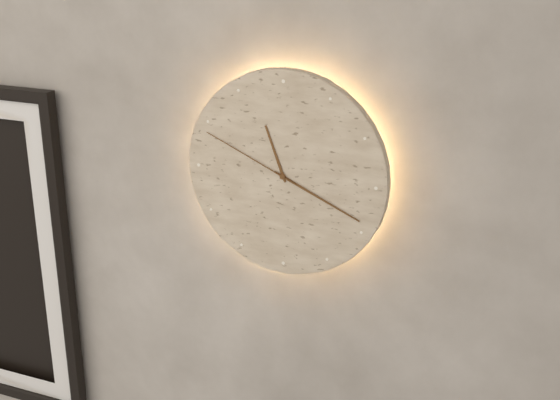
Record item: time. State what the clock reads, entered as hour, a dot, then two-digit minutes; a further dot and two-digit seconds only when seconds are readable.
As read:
11.19.49
